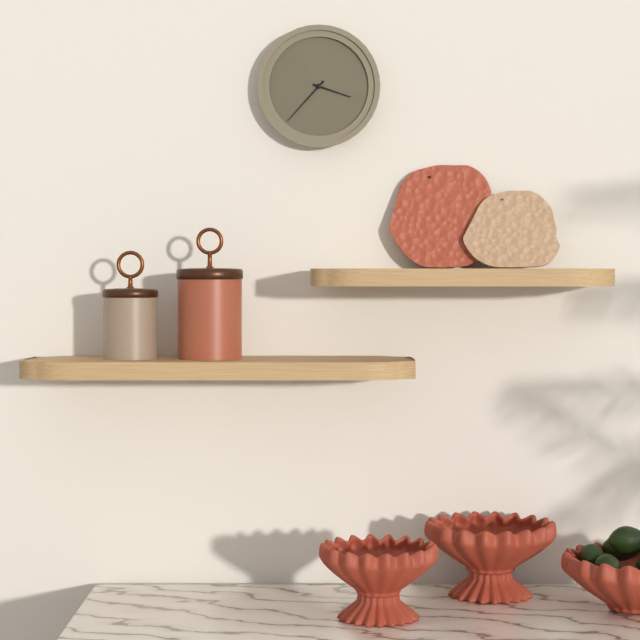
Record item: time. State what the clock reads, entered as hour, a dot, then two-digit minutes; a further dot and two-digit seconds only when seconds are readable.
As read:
3.37
